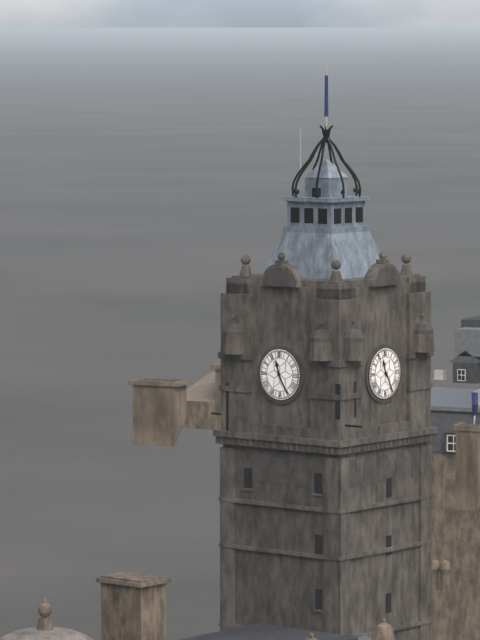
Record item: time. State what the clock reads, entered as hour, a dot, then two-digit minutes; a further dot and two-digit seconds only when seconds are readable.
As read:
11.25
